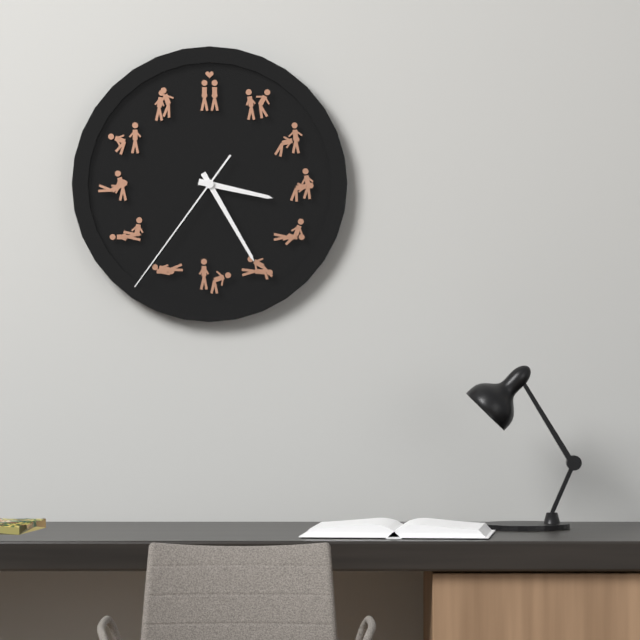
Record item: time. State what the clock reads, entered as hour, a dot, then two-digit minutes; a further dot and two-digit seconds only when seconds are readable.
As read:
3.25.36
